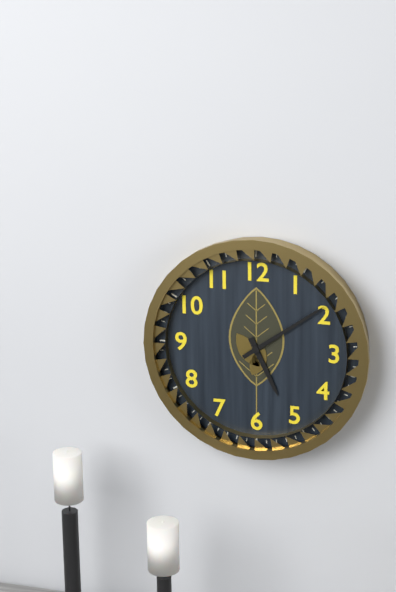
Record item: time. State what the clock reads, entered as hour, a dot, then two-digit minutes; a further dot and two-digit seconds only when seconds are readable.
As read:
5.09
